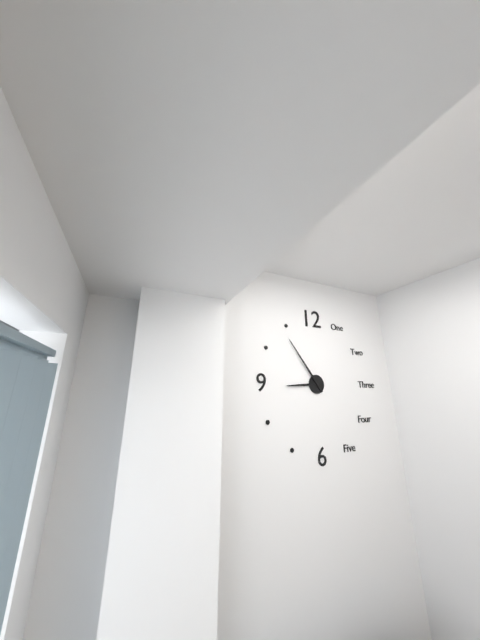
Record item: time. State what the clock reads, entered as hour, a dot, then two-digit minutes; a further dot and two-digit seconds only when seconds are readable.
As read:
8.54
